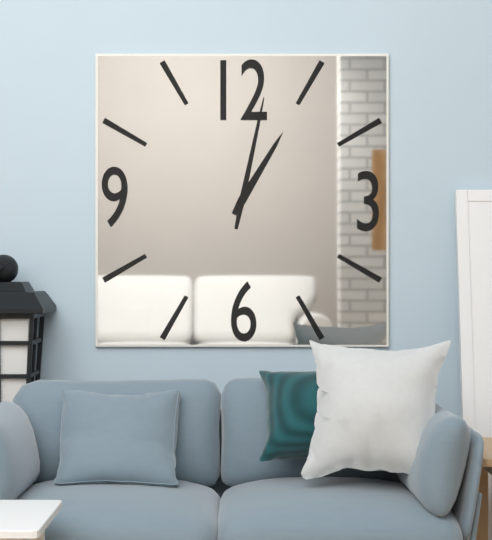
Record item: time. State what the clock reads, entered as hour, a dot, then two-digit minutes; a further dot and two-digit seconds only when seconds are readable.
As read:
1.02
